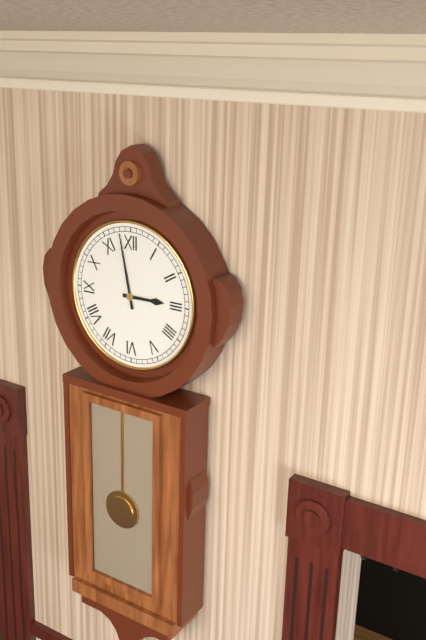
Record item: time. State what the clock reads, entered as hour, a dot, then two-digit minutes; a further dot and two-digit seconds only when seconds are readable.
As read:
2.58
